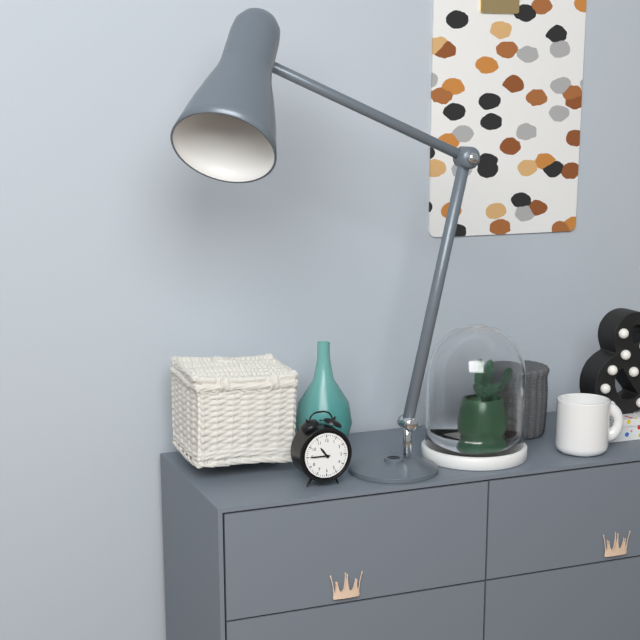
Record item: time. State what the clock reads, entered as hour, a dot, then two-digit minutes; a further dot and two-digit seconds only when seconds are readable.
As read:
10.45
